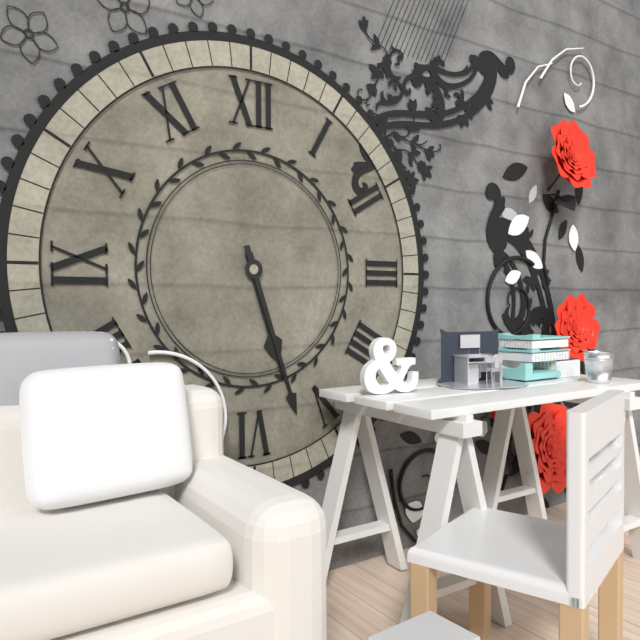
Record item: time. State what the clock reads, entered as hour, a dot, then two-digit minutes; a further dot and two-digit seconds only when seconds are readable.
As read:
5.27
